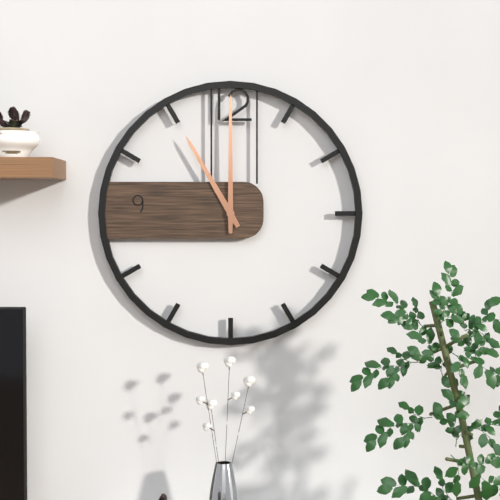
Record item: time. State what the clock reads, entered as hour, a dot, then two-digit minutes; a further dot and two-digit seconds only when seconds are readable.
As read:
11.00
